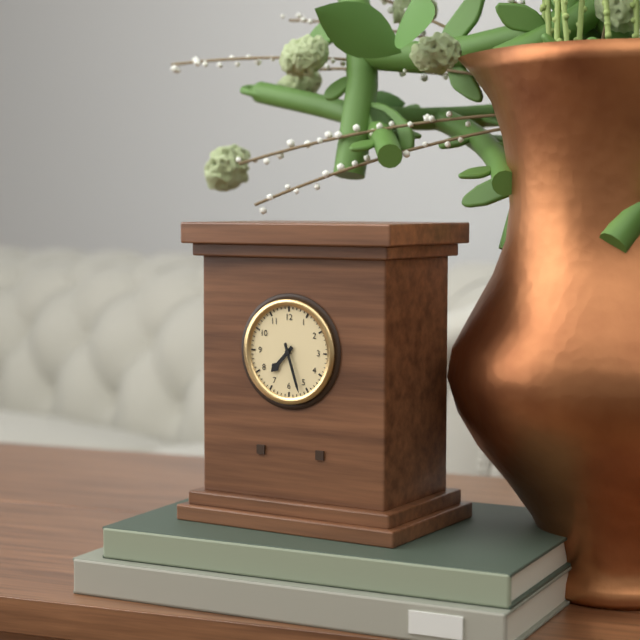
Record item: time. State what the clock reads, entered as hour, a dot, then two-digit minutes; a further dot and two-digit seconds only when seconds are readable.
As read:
7.27
